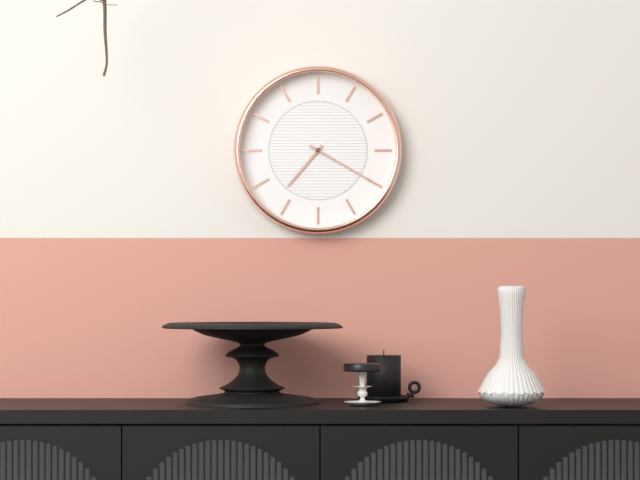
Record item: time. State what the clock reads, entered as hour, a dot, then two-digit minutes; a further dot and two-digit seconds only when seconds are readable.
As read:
7.20
